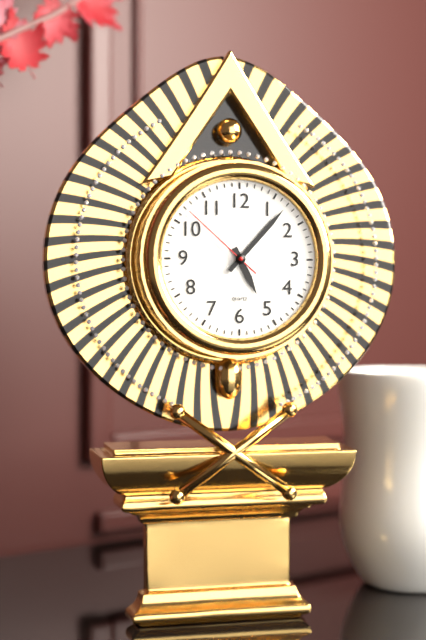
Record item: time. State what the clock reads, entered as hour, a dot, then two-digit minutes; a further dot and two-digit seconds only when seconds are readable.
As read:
5.07.52
